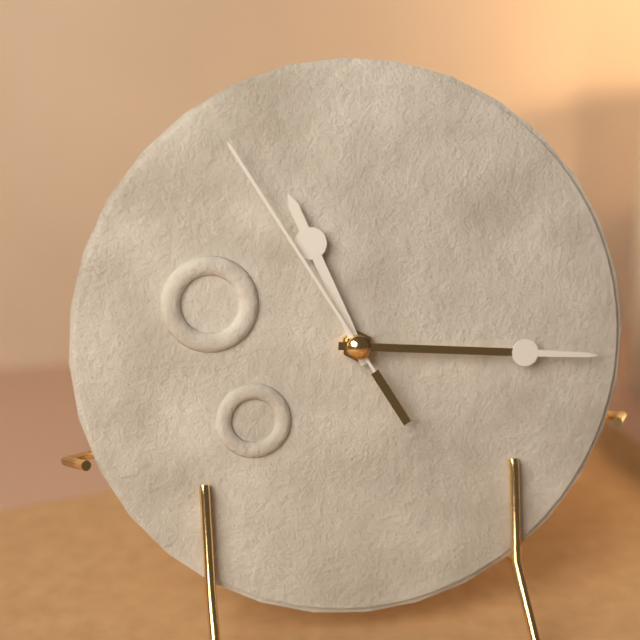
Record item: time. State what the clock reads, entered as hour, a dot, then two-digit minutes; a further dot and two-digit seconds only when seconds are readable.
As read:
11.16.55
